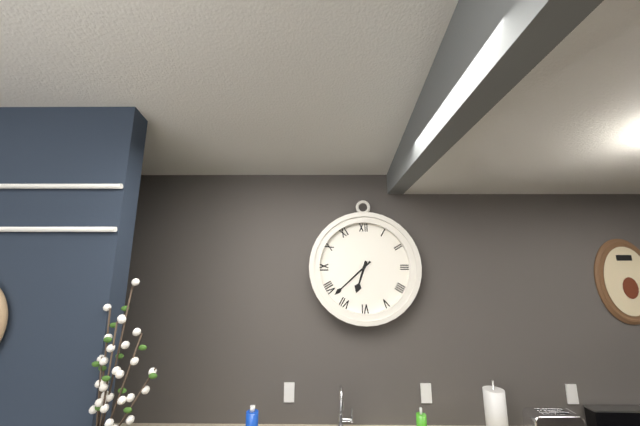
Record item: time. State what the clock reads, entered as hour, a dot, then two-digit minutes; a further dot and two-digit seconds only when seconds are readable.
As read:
6.38
